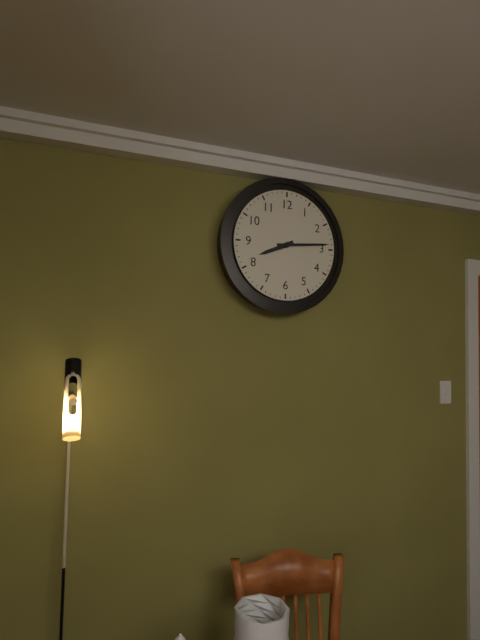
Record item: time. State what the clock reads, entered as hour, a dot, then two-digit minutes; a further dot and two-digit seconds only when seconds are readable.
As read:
8.14
